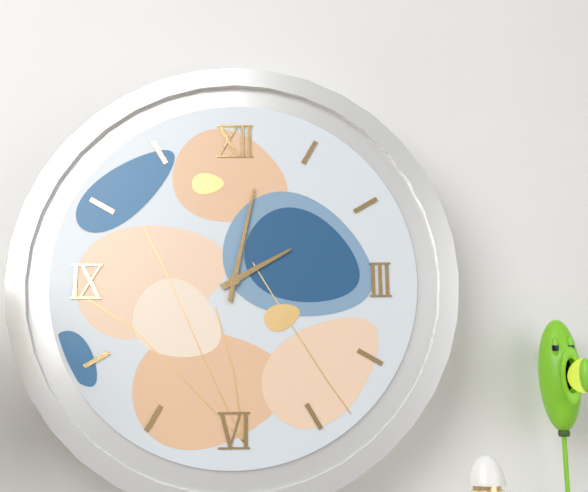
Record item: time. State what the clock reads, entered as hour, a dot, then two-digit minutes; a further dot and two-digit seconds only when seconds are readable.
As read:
2.02
